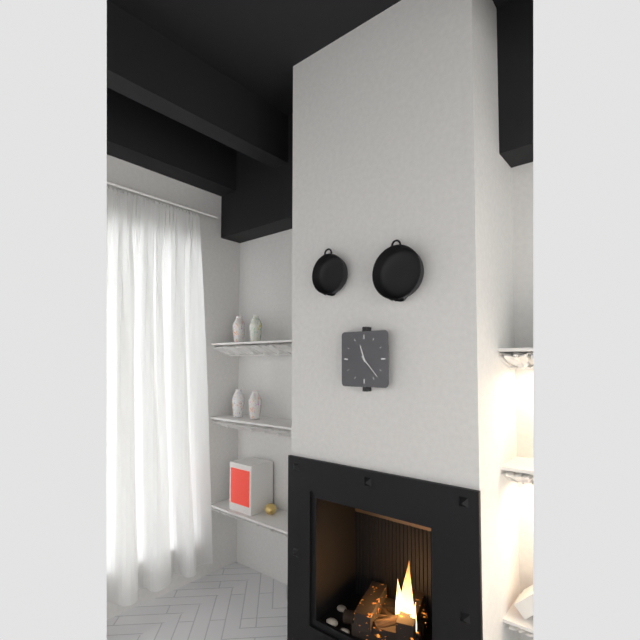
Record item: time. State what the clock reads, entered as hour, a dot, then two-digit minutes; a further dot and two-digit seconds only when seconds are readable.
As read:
11.23
